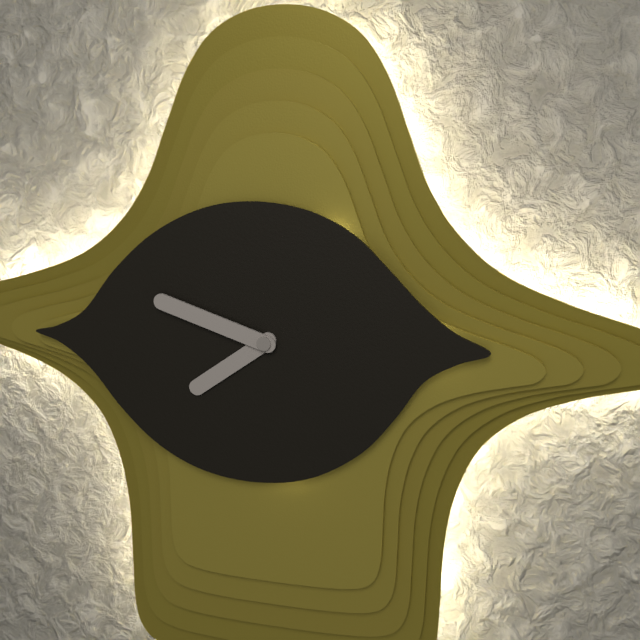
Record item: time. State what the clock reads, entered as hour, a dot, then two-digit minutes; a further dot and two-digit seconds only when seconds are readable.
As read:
7.48
